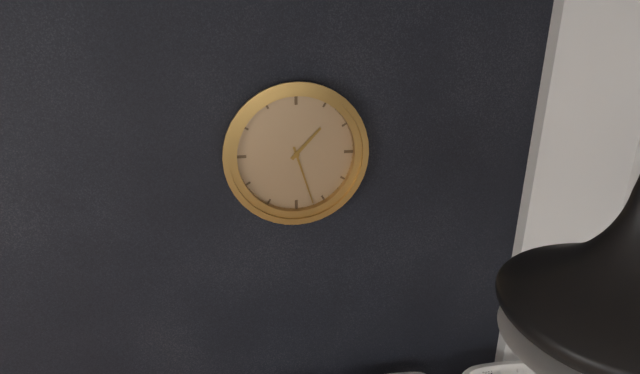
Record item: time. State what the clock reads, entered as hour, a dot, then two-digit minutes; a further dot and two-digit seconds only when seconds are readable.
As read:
1.27
